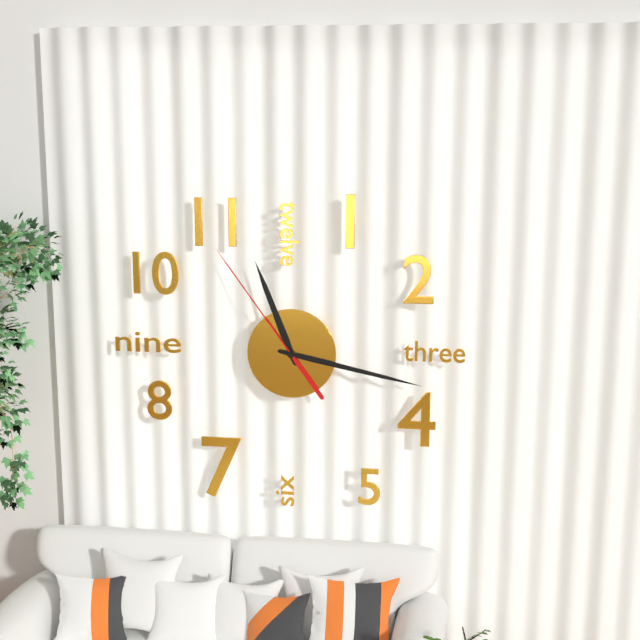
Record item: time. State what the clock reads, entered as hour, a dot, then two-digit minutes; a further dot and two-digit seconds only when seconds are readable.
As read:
11.17.54
